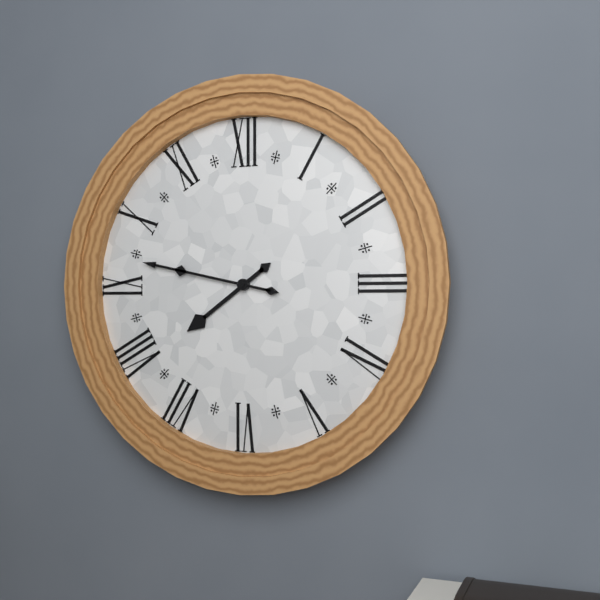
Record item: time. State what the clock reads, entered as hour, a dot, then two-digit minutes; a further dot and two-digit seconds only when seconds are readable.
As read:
7.47
